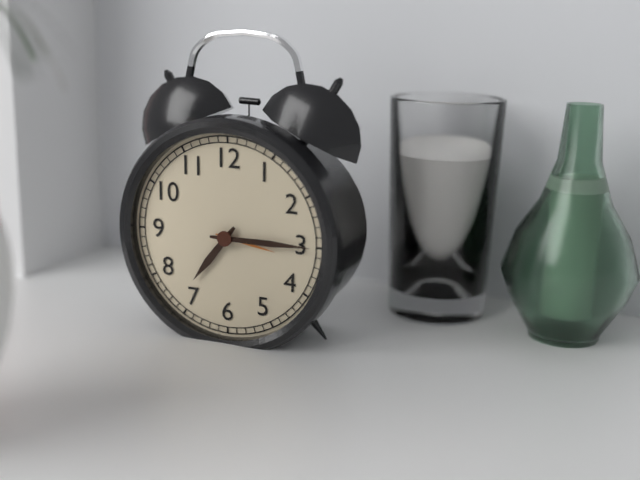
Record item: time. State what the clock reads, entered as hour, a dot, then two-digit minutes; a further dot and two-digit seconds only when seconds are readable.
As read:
7.15
